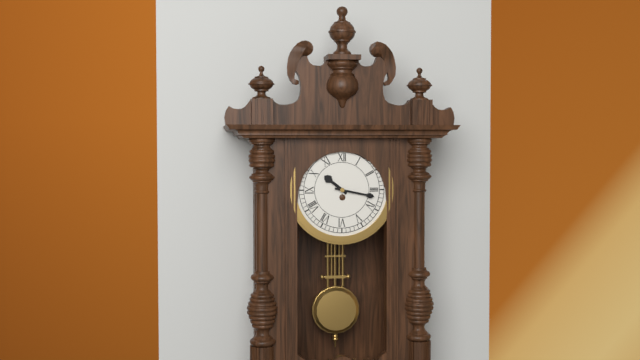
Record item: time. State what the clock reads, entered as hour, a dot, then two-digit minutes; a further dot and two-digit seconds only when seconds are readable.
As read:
10.17
